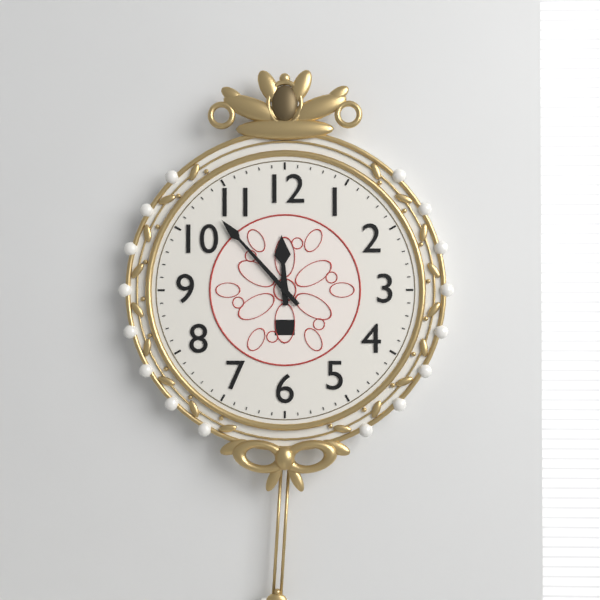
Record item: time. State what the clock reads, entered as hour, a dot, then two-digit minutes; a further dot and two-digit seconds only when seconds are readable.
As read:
11.53
